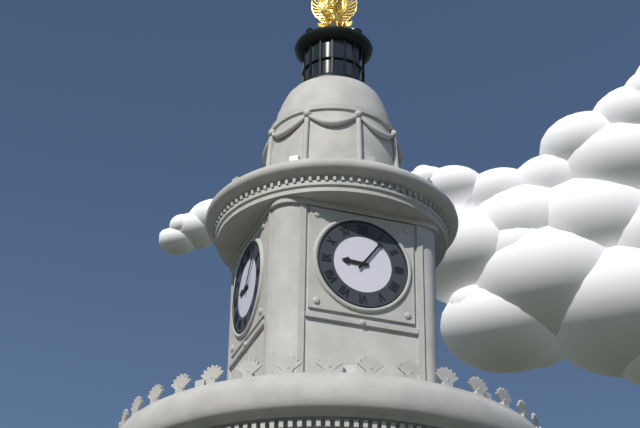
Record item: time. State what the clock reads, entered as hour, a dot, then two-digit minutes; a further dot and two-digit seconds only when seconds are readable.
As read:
9.06
